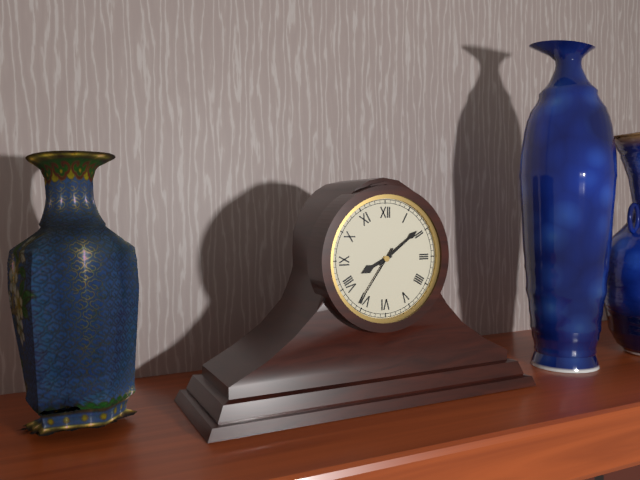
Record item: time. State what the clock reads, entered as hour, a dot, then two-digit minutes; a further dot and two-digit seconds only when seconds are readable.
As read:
8.09.36
